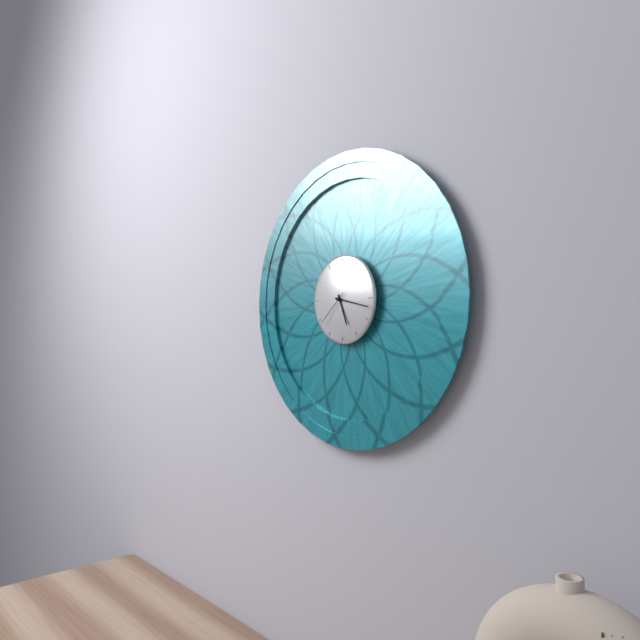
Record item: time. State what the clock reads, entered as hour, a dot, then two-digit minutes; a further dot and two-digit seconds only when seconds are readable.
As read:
5.17
